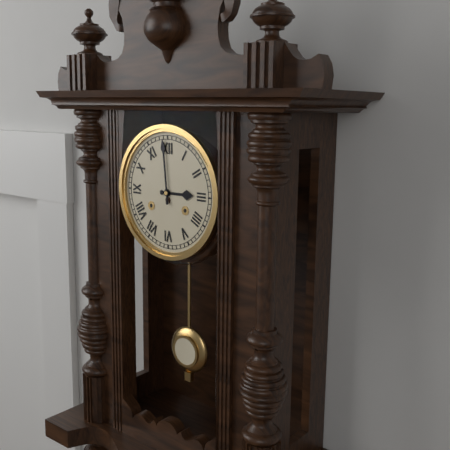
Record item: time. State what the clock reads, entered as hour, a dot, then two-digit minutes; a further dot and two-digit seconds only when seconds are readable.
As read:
2.59
